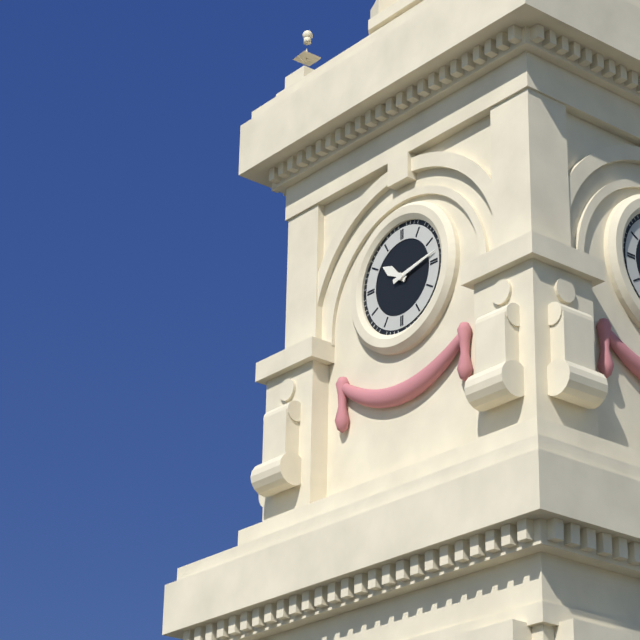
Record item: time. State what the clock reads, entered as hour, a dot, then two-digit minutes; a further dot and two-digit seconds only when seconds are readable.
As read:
10.13
